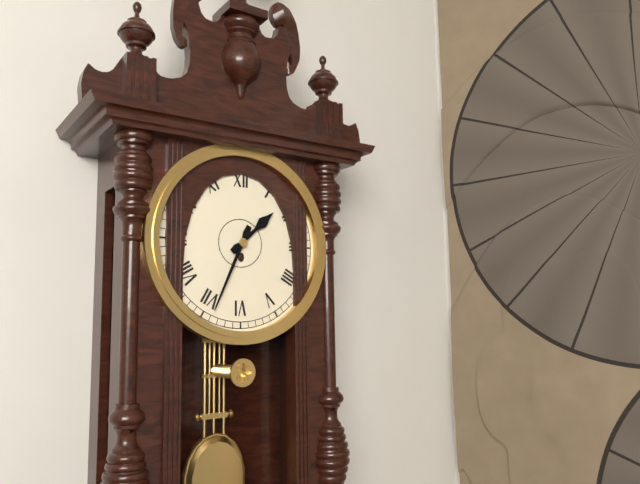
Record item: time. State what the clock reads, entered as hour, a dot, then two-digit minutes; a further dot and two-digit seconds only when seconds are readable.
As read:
1.34
